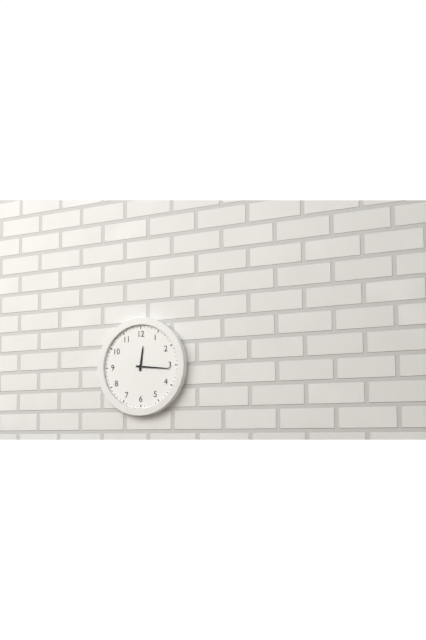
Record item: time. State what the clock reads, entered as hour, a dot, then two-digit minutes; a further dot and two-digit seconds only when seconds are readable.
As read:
12.16
